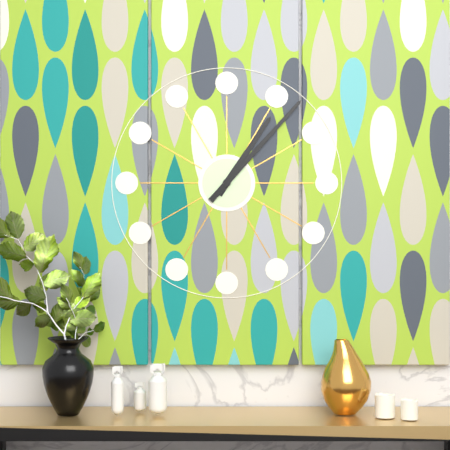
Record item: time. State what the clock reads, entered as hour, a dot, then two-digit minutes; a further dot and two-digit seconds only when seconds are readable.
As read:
1.07
